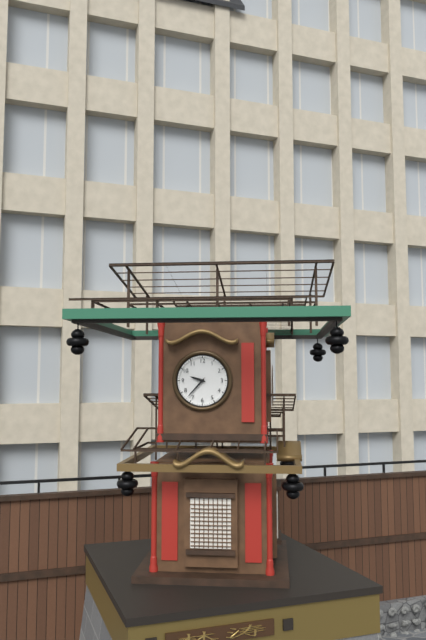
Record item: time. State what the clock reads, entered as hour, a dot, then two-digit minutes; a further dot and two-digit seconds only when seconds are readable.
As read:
9.37
